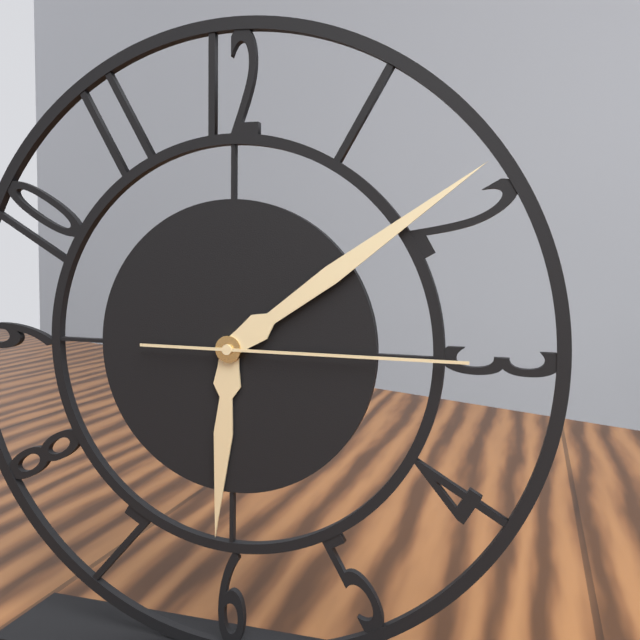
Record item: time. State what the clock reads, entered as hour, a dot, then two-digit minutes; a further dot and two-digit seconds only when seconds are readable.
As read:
6.09.15
